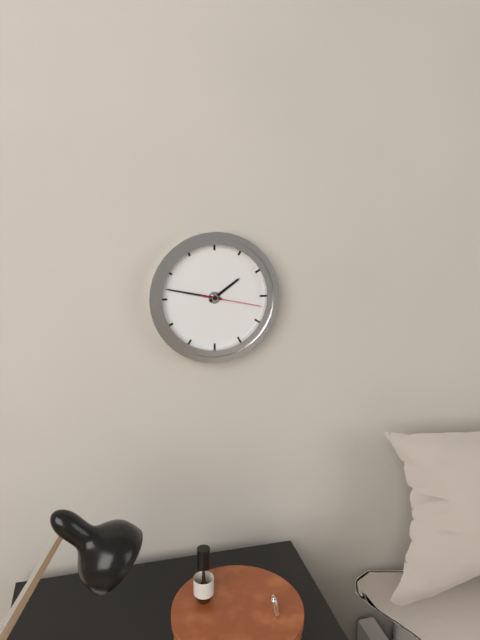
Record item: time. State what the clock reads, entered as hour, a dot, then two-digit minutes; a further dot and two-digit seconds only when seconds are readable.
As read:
1.47.17
